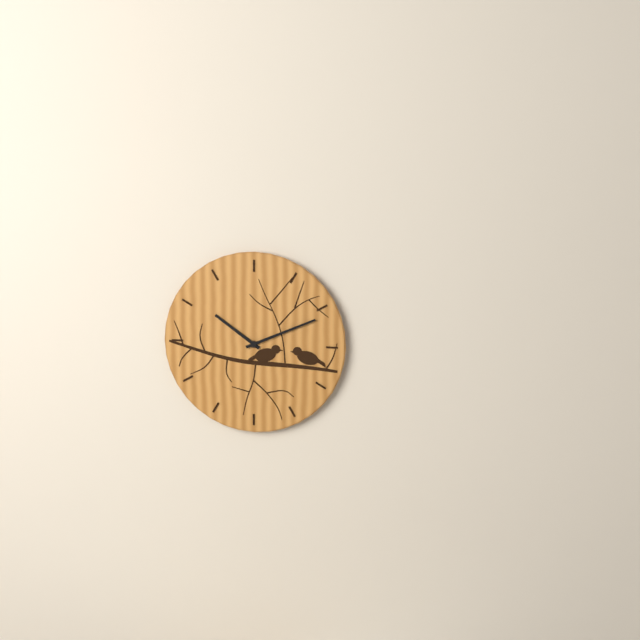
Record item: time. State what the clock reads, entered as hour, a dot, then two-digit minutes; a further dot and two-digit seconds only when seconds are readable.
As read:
10.11
